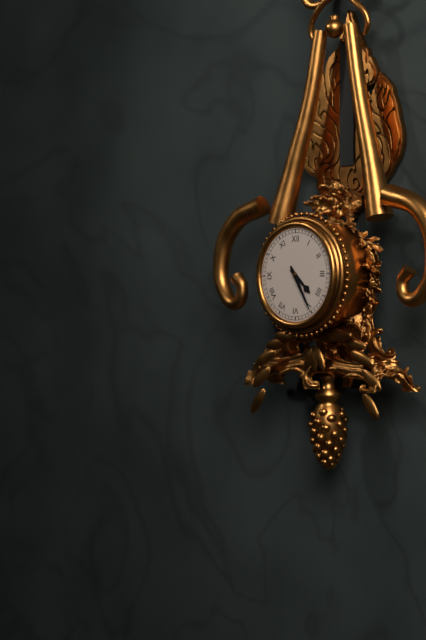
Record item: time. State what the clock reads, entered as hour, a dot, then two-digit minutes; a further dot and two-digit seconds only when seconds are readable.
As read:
4.25
